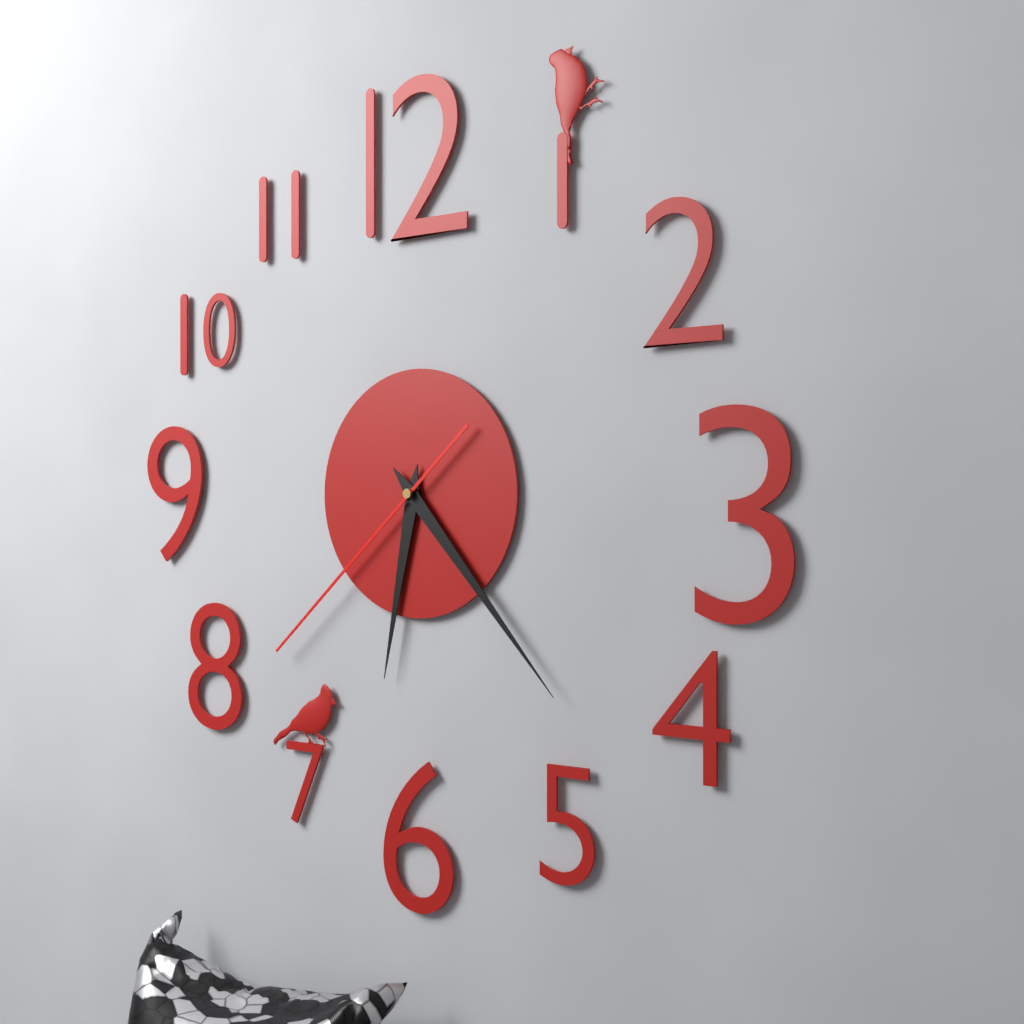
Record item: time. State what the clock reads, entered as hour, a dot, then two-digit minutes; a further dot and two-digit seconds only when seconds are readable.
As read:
6.23.38
